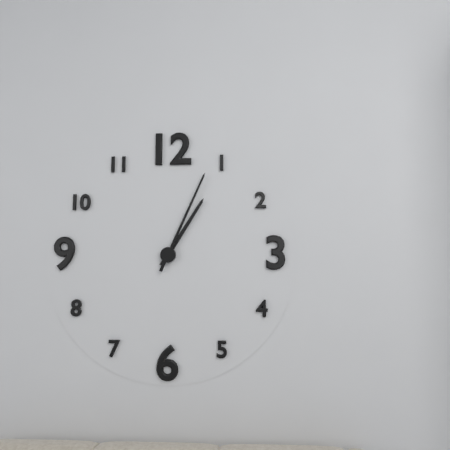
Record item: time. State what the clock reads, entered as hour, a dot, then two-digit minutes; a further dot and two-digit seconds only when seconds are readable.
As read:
1.04
